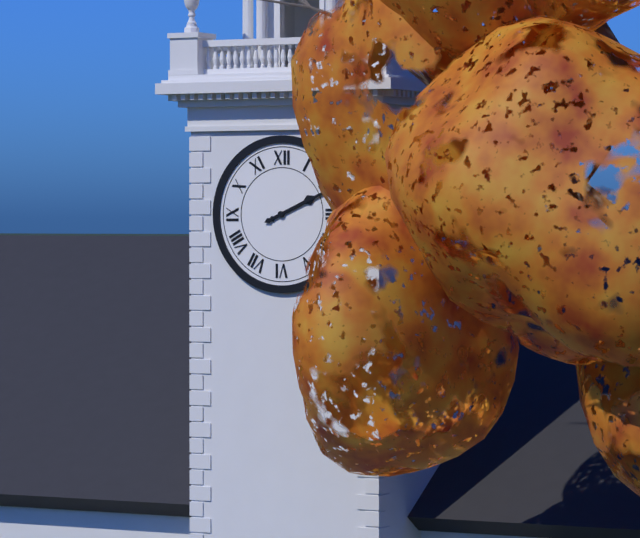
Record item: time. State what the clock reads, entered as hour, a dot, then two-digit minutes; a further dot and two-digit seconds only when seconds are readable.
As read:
2.11
